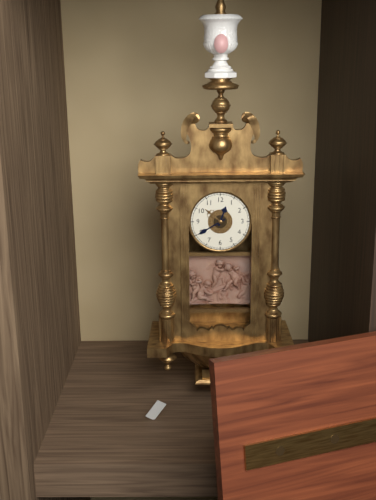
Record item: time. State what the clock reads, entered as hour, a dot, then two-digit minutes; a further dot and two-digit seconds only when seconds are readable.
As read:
12.40
